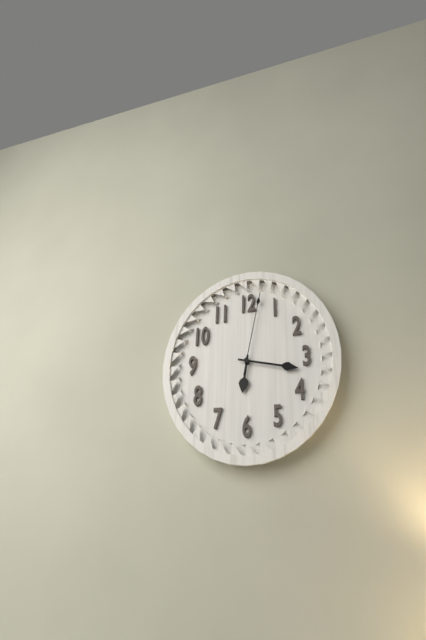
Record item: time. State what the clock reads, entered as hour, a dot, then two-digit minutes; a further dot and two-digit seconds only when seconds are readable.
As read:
6.17.02
